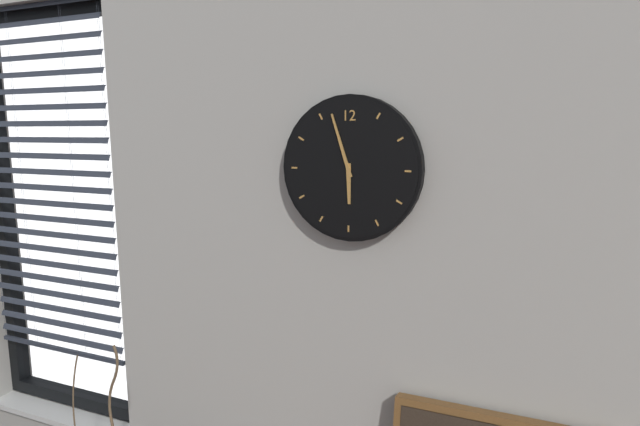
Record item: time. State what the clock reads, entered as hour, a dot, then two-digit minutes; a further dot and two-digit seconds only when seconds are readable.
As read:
5.57
